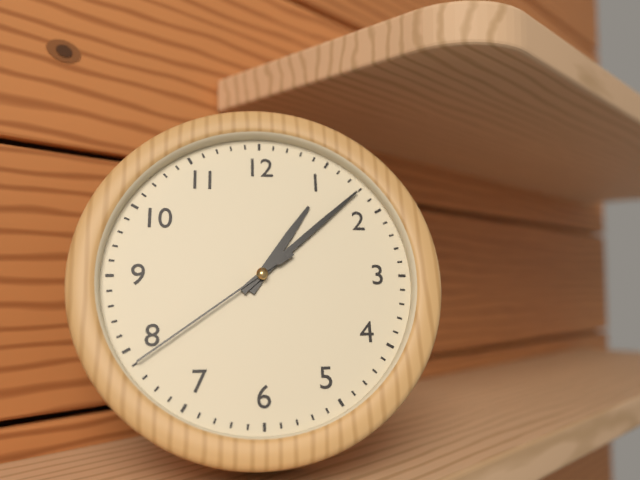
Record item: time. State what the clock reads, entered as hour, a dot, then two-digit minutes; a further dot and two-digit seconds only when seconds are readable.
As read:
1.08.39
